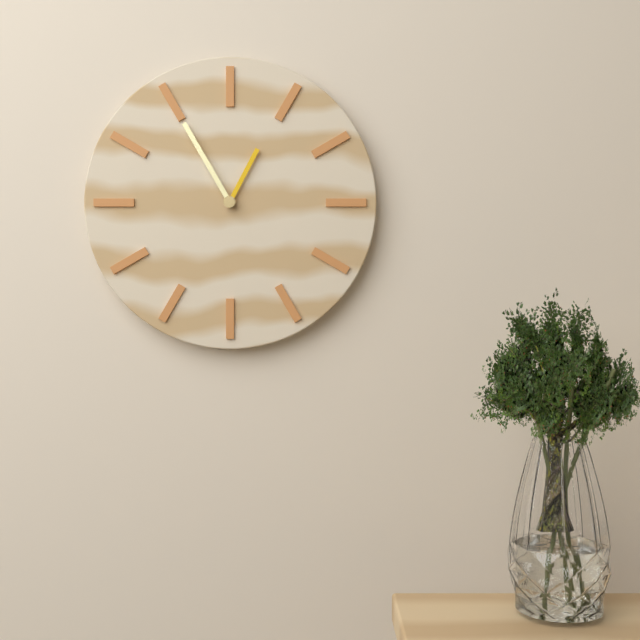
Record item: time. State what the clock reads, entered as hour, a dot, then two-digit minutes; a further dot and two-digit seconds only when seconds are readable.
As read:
12.55
